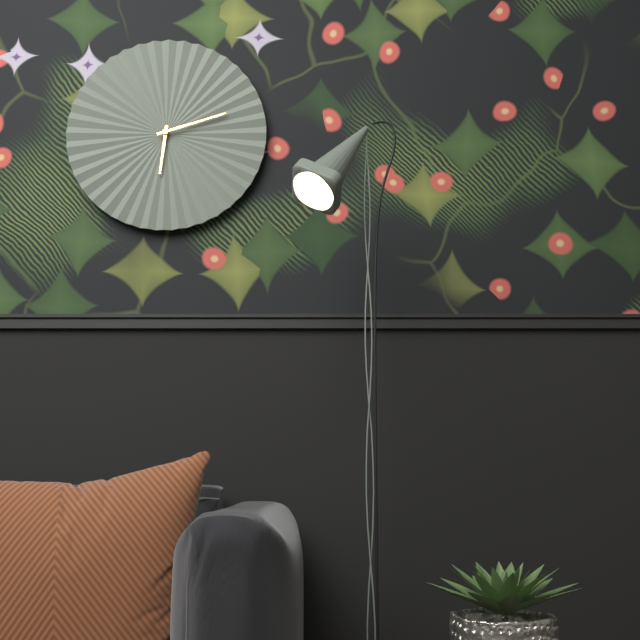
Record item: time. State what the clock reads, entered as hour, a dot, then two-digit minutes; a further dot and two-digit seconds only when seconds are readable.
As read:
6.12
